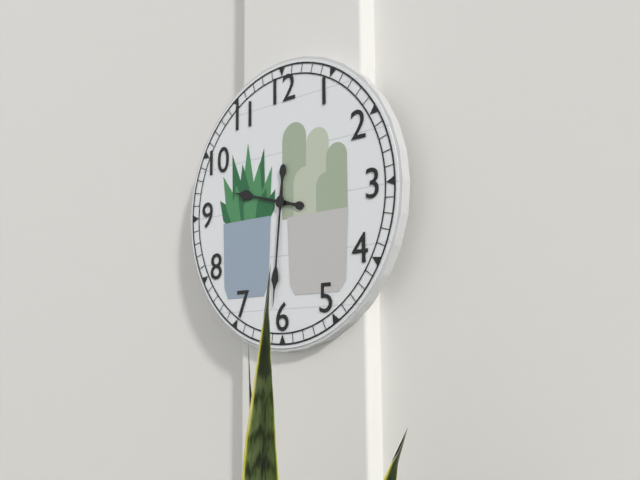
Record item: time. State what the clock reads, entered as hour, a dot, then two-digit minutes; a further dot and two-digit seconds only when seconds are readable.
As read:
9.31
